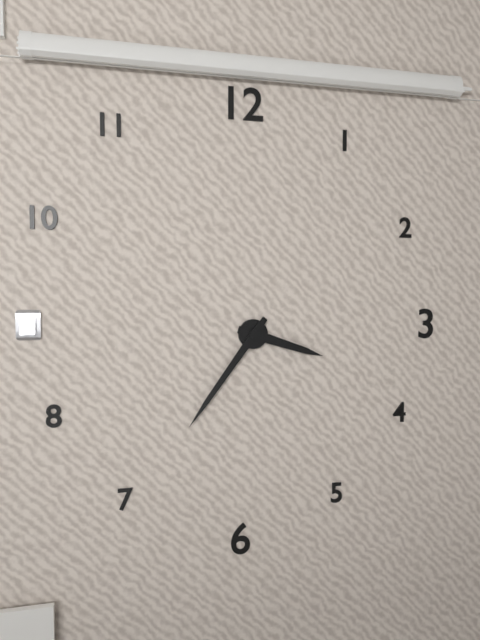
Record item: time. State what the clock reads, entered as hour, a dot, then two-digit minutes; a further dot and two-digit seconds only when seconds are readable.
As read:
3.36
